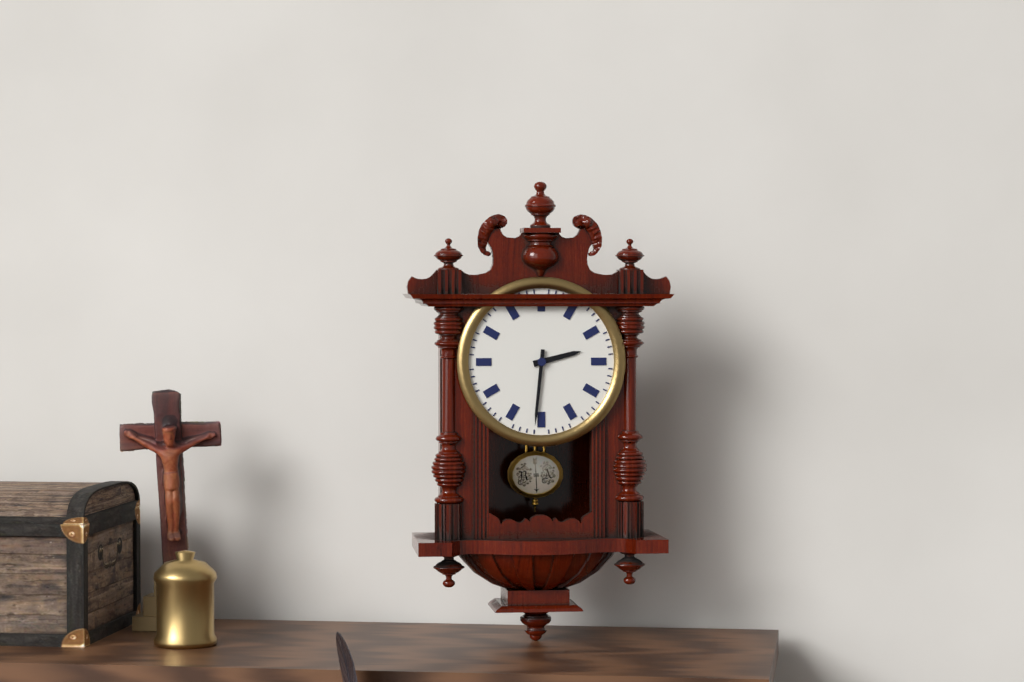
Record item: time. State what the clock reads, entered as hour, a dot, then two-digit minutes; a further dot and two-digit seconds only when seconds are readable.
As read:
2.31
